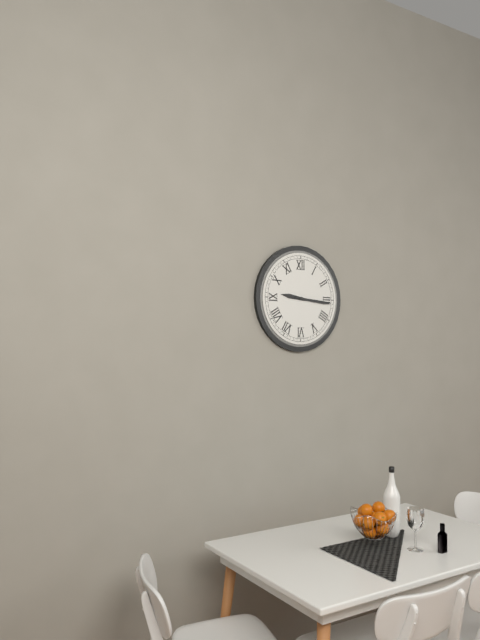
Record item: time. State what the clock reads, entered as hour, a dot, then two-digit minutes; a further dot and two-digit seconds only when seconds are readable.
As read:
9.16
